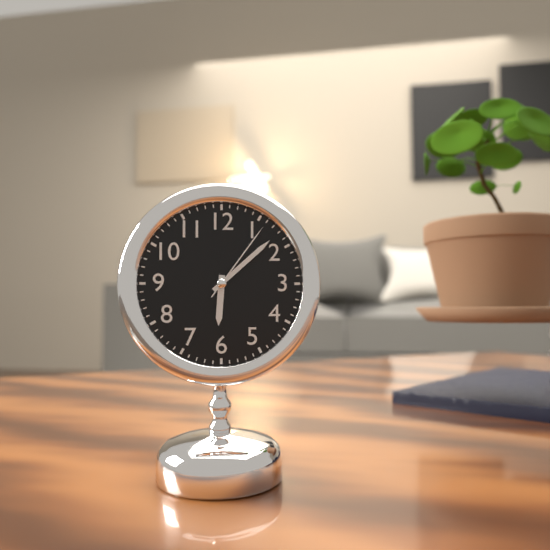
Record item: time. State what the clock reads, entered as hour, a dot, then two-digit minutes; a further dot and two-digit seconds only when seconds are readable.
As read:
6.08.06
